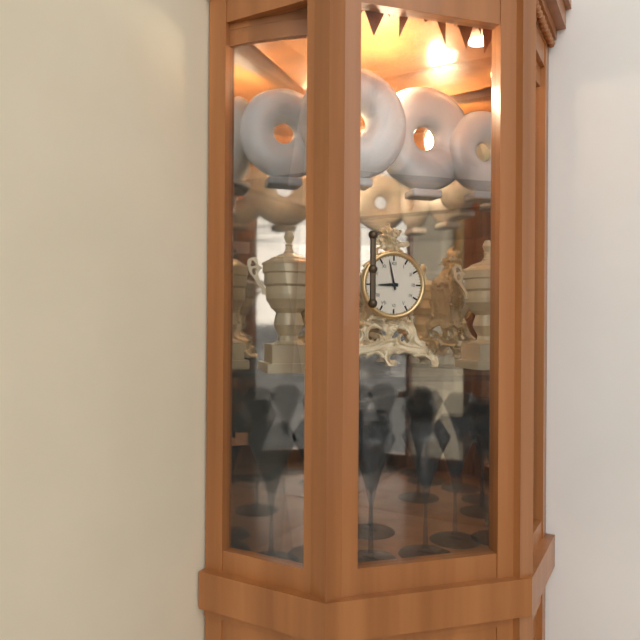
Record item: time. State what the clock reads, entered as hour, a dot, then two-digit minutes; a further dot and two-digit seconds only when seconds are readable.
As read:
8.58
